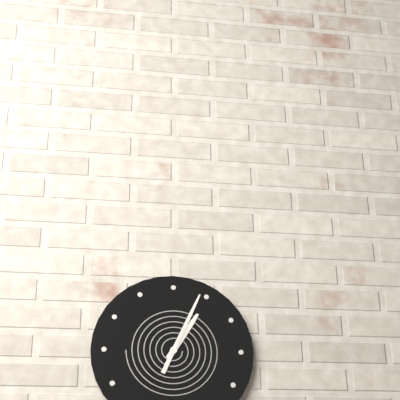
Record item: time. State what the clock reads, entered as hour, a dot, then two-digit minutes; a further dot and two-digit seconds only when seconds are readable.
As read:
1.04
